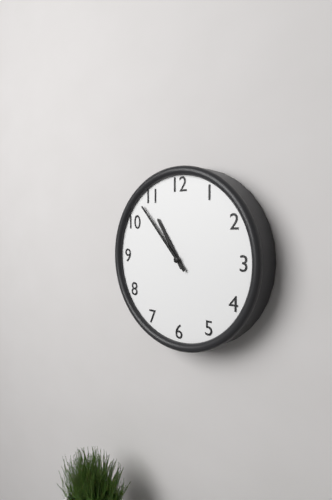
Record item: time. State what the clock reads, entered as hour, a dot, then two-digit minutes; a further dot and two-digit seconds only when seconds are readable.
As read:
10.53
